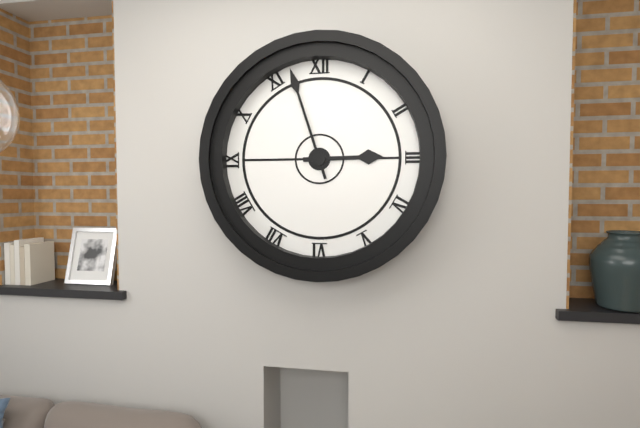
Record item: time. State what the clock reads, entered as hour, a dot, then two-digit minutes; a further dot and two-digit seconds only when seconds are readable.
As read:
2.57
